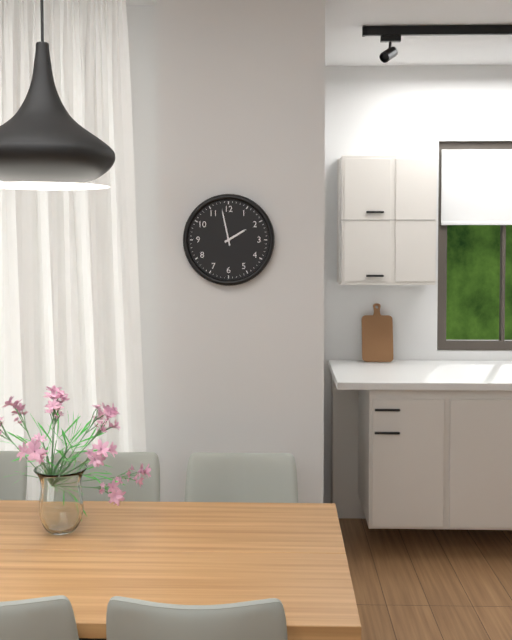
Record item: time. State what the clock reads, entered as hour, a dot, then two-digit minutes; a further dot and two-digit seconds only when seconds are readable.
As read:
1.58
